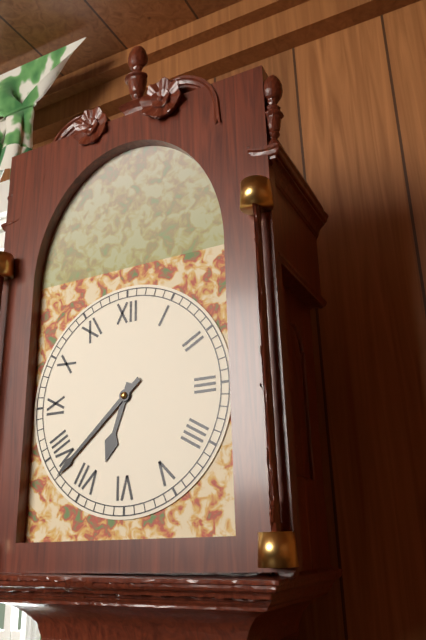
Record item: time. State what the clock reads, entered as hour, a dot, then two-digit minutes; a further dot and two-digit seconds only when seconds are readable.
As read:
6.38
